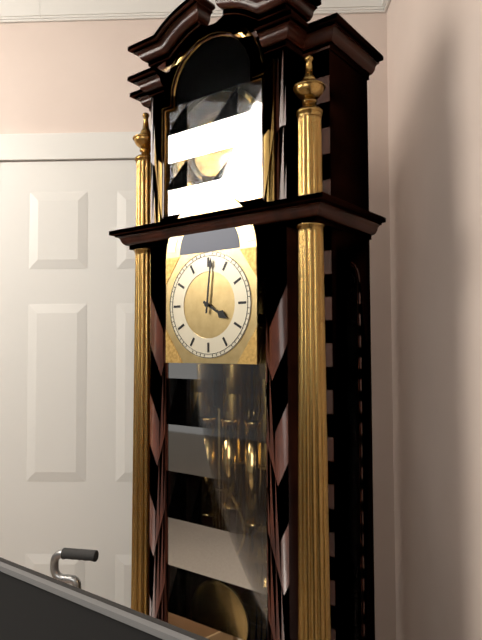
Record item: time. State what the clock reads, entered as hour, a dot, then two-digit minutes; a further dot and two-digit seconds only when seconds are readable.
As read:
4.01
